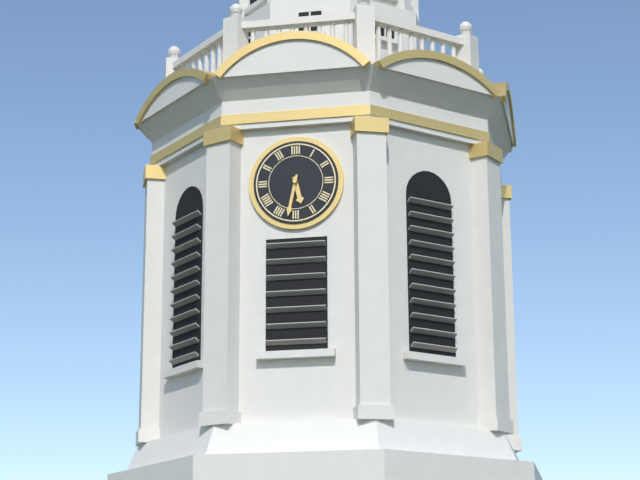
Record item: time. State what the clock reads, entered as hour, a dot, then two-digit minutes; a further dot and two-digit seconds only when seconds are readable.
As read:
5.32
